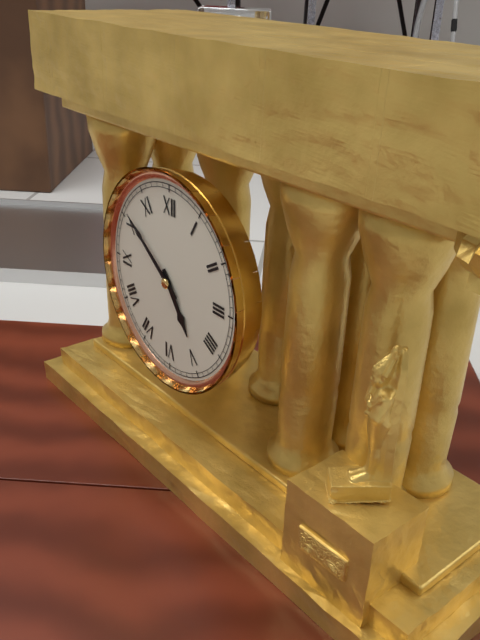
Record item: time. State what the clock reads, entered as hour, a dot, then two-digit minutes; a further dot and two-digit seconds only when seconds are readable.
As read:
4.51
